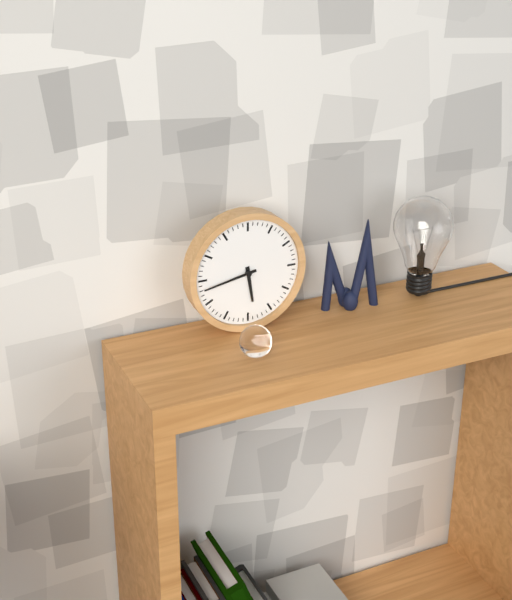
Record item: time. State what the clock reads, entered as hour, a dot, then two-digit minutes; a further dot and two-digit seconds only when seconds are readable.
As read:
5.43
